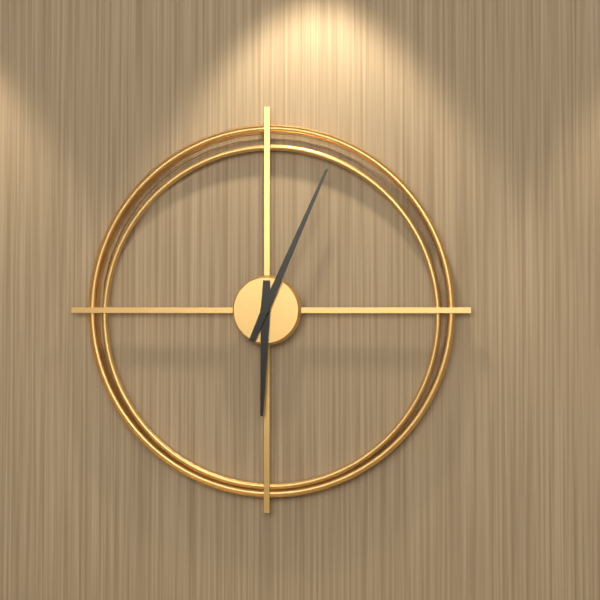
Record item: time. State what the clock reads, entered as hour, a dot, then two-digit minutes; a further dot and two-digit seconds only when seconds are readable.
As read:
6.04
